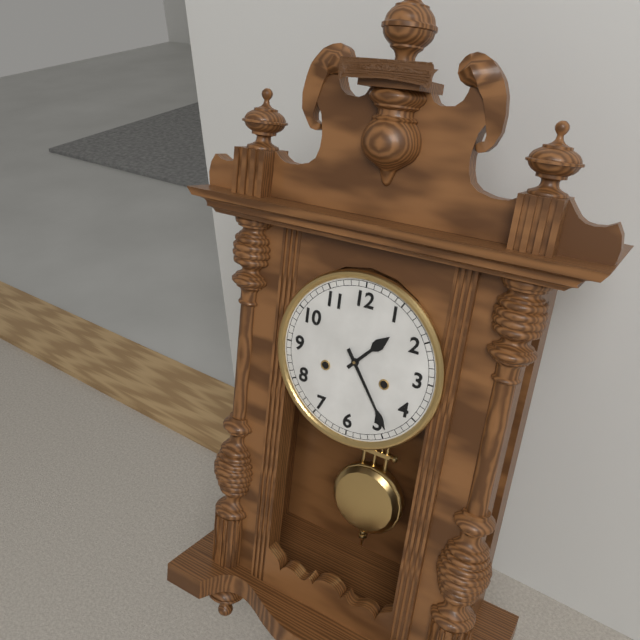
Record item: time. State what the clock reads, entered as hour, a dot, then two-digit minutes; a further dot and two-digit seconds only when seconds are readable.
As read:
1.24
